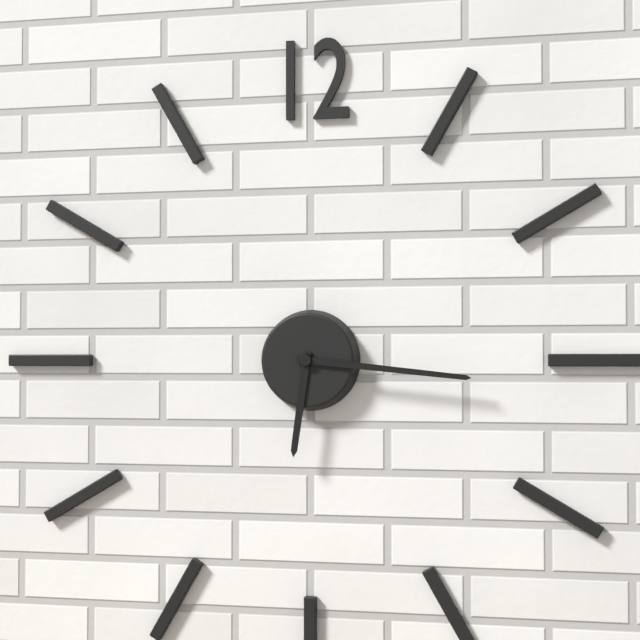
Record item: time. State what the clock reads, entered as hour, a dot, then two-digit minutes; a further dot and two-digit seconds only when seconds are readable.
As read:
6.16
